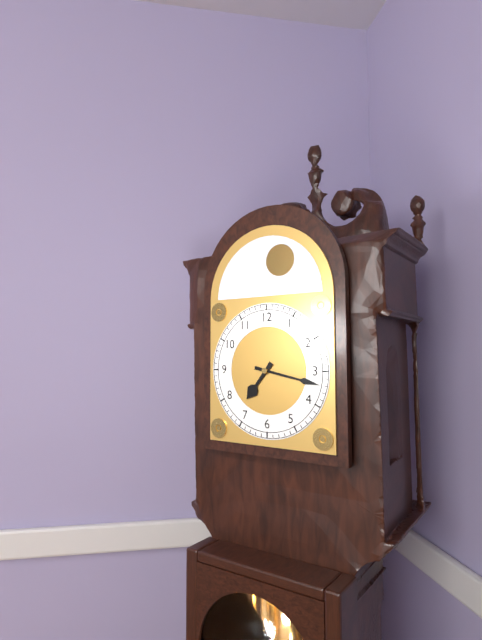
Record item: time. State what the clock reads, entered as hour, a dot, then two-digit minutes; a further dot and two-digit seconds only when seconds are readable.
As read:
7.17
